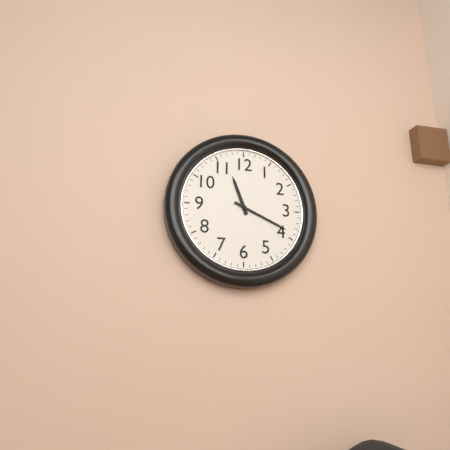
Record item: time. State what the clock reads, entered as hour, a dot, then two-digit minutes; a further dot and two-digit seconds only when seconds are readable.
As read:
11.19
